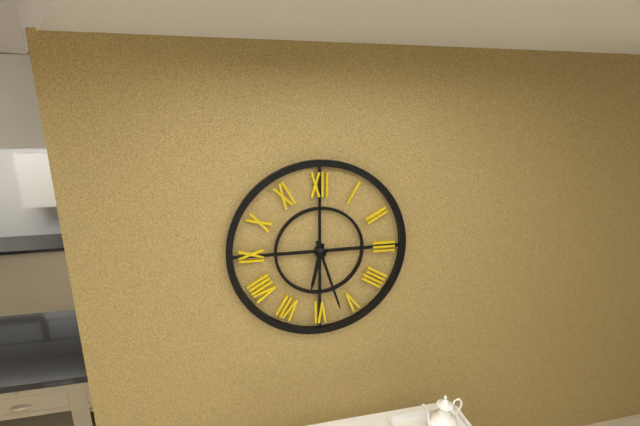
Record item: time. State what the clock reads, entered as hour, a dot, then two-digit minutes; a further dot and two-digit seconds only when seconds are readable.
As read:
6.27
